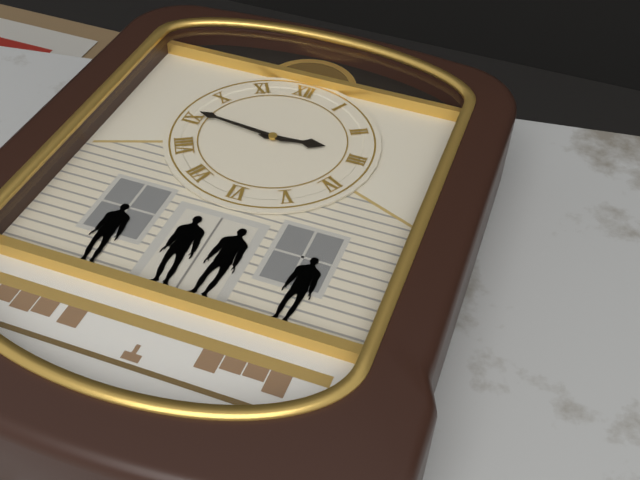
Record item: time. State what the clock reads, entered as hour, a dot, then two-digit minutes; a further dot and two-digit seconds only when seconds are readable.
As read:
2.46
